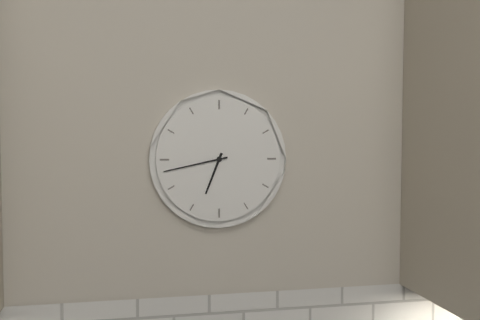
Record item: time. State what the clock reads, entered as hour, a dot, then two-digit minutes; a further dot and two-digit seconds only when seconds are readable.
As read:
6.43
